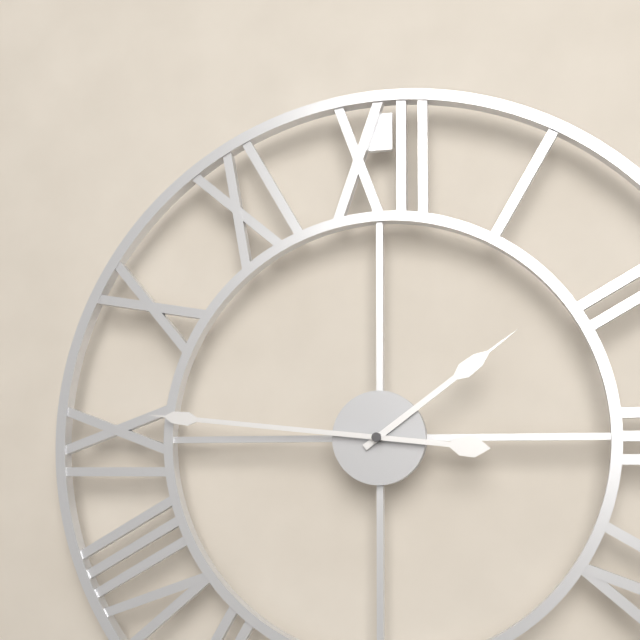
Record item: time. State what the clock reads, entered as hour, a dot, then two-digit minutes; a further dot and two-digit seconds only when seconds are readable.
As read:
1.46
